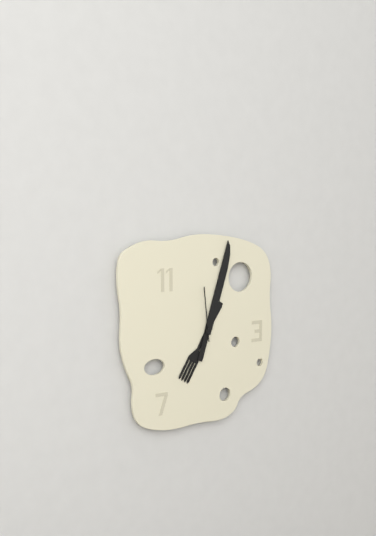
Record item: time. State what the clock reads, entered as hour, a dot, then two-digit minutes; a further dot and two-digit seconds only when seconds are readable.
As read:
7.03.59
